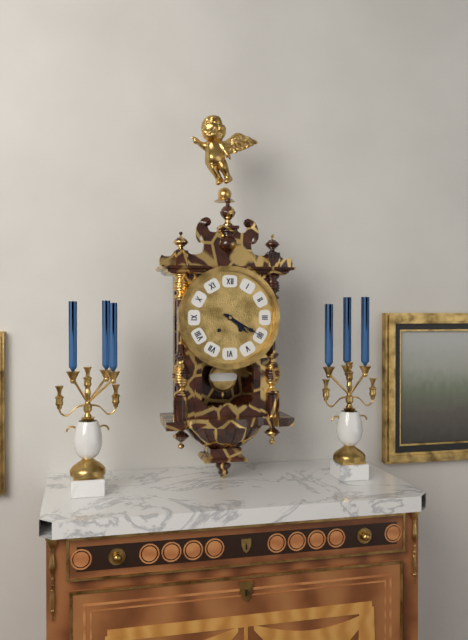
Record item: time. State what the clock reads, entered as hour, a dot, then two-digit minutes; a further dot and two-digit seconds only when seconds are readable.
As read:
4.20
